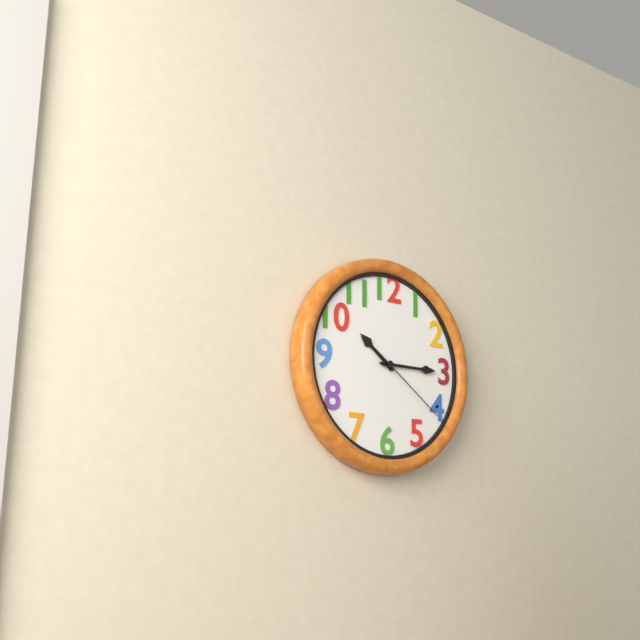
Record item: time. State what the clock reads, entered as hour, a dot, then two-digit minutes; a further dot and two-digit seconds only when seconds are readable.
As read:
10.15.21
